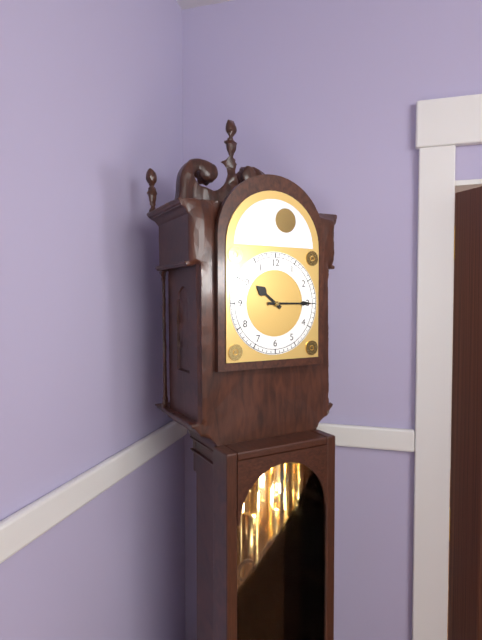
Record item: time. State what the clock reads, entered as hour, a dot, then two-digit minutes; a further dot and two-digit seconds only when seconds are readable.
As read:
10.15
